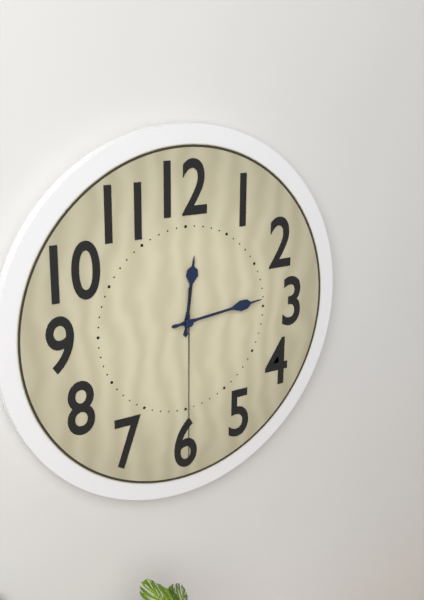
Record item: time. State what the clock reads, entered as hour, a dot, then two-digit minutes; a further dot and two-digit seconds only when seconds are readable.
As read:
12.14.30
